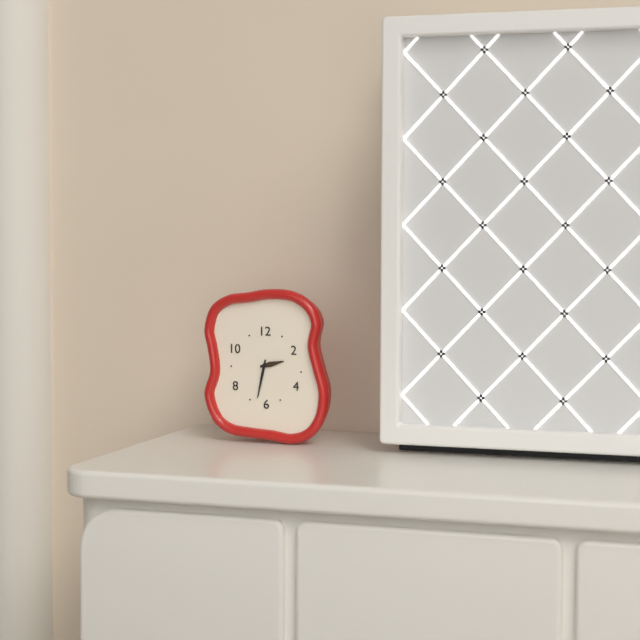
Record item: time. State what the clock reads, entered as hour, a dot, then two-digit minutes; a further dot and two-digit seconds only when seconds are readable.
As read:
2.32
